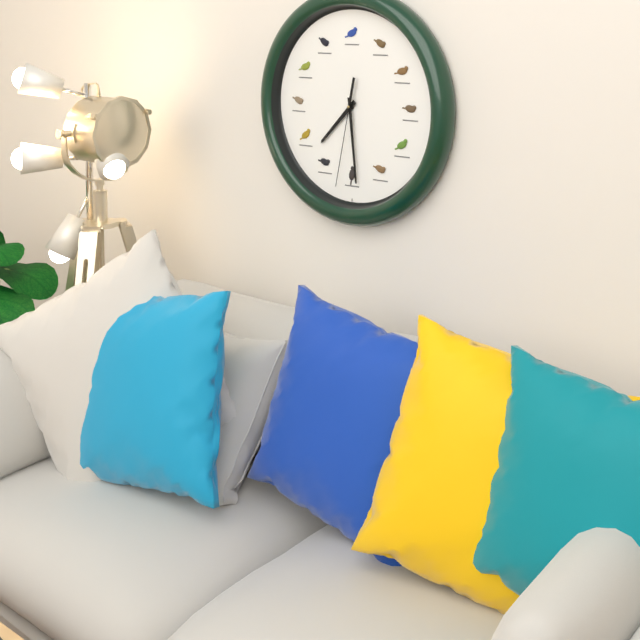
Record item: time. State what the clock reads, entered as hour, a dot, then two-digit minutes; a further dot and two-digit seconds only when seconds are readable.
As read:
7.29.32
